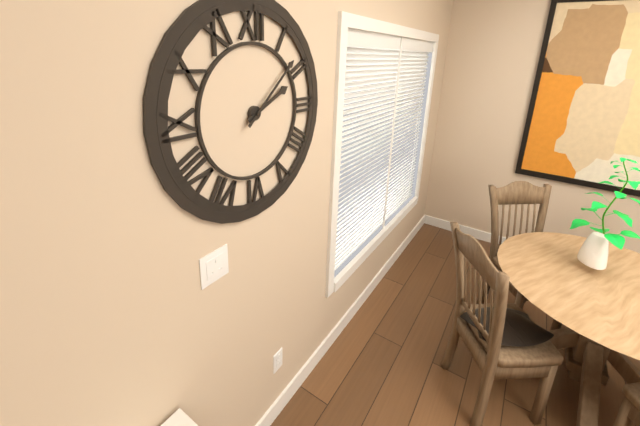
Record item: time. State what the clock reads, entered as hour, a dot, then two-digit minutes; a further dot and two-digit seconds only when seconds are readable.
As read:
2.08
